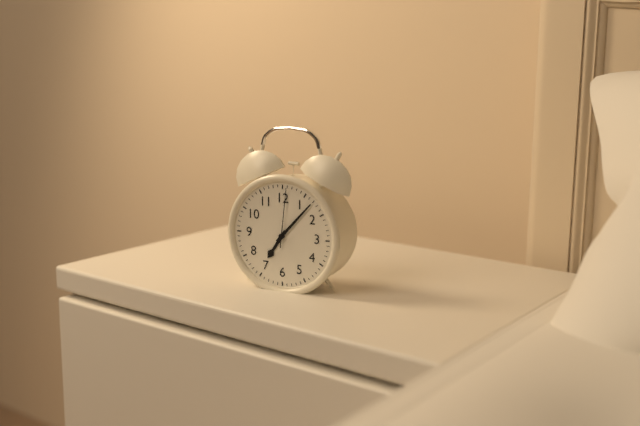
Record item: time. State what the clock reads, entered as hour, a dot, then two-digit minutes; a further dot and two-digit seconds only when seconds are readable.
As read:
7.07.01
